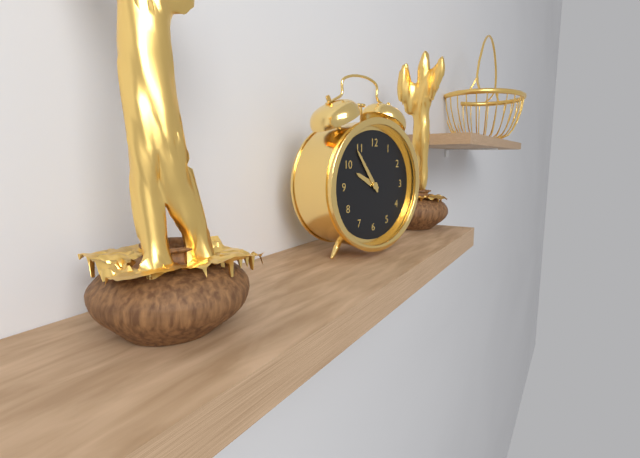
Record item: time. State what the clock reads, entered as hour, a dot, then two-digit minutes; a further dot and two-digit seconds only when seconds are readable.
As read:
9.54
